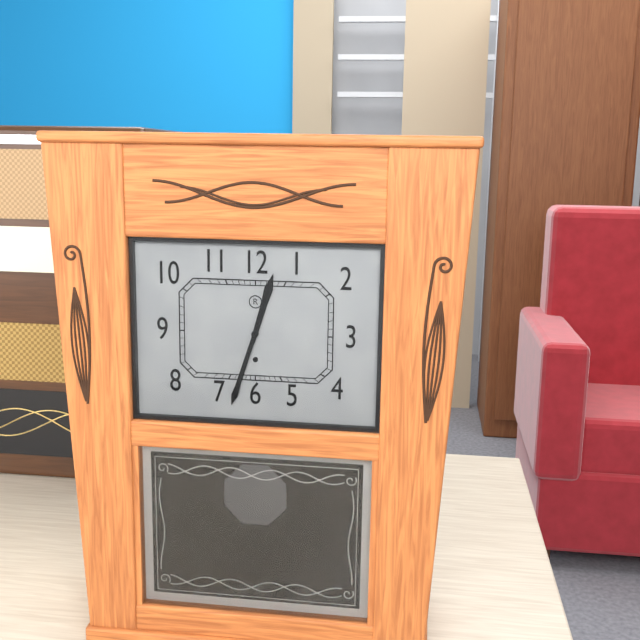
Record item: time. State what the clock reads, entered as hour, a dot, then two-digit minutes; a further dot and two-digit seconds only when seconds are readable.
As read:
12.33
